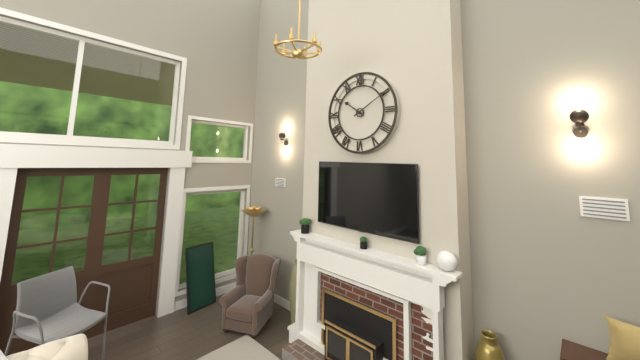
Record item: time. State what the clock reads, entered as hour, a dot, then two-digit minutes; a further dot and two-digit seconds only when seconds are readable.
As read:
10.10
